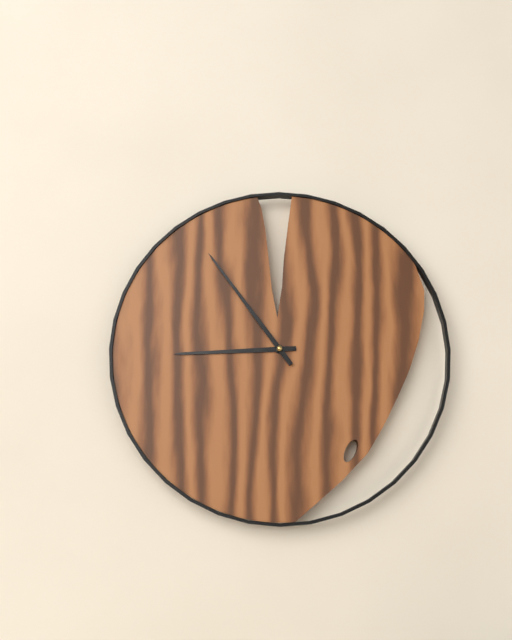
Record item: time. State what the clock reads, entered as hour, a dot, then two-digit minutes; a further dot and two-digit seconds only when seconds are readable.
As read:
8.54
